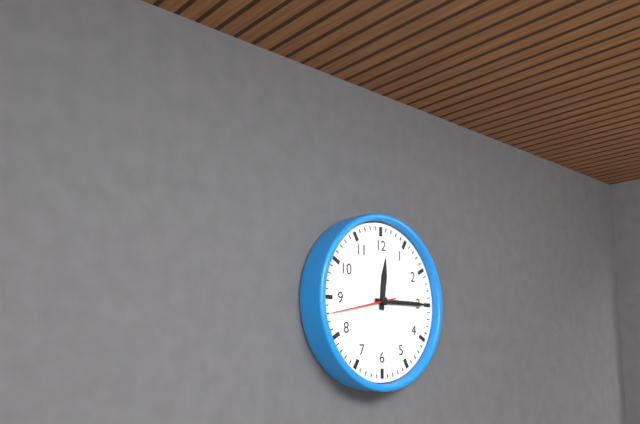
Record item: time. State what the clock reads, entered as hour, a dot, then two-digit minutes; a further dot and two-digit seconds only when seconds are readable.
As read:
12.15
